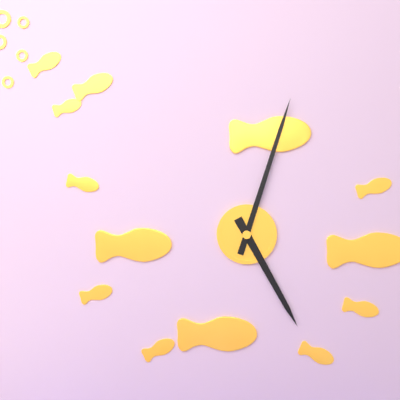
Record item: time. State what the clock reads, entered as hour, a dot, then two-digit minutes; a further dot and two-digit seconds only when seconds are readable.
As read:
5.03
